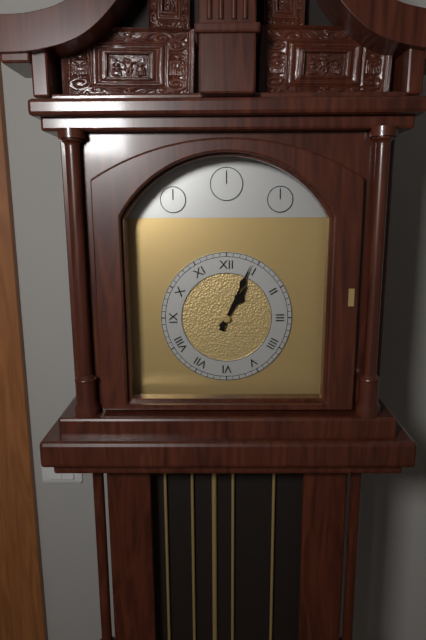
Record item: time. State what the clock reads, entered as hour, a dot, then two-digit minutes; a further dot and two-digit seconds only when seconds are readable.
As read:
1.04
